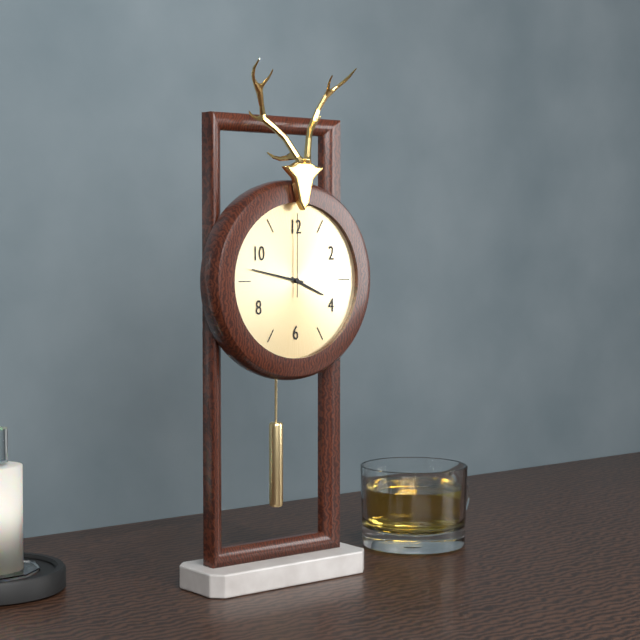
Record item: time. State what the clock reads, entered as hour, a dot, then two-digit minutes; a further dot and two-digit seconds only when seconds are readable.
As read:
3.47.00
